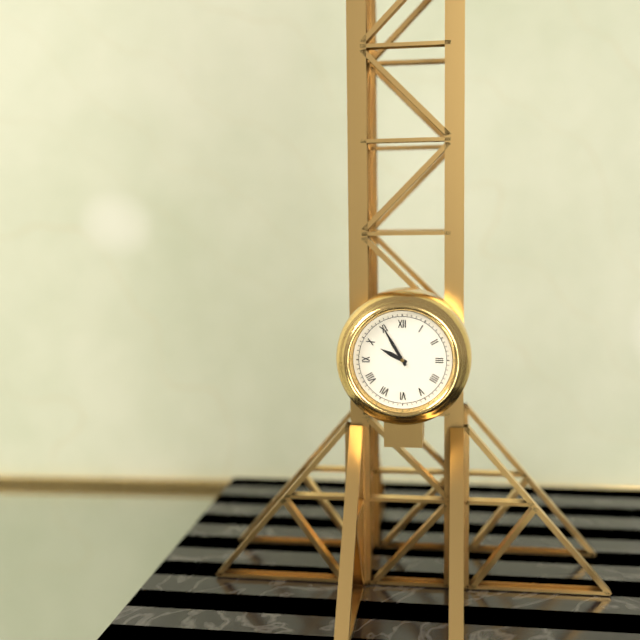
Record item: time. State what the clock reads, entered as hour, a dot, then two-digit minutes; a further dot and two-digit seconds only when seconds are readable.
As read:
9.55
